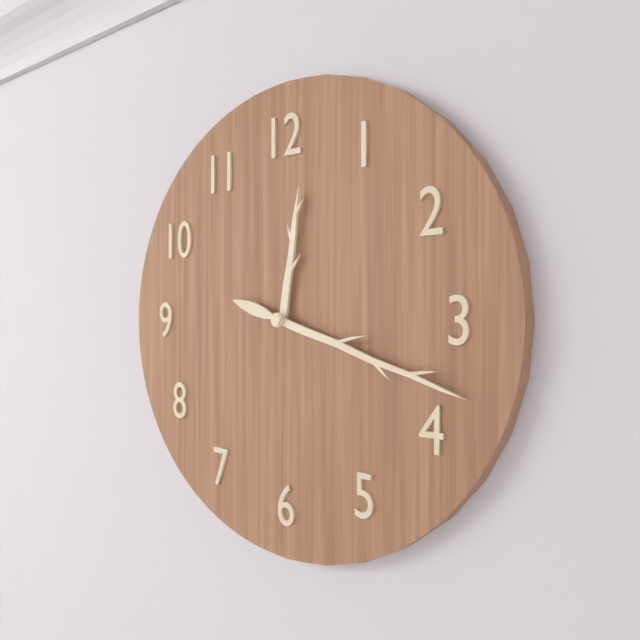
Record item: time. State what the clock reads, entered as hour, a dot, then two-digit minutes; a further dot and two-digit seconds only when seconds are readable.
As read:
12.18
